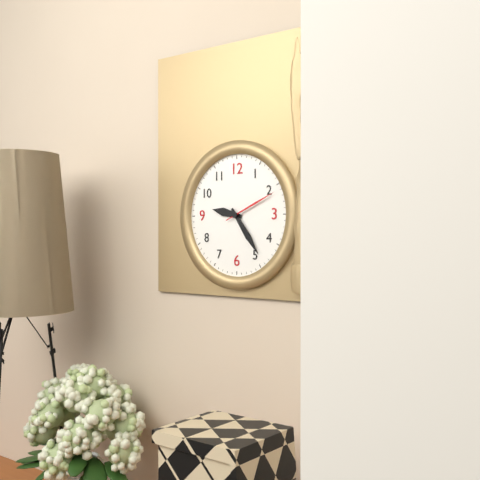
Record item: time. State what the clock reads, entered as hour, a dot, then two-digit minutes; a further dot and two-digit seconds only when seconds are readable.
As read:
9.24.11
